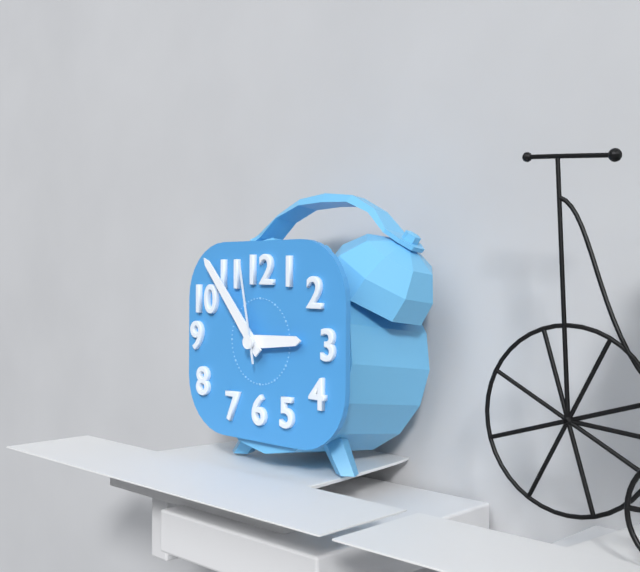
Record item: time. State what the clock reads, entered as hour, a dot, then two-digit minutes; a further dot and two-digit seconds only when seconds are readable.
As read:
2.53.58
